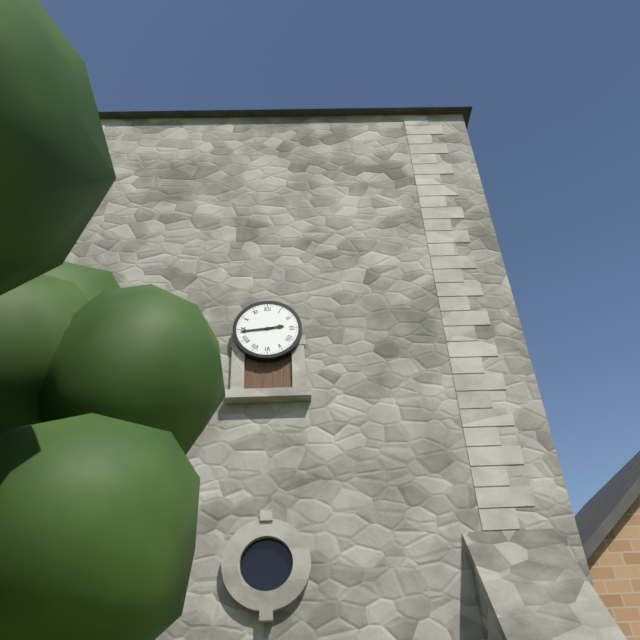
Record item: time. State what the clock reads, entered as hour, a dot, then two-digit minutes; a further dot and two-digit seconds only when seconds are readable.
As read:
2.44
